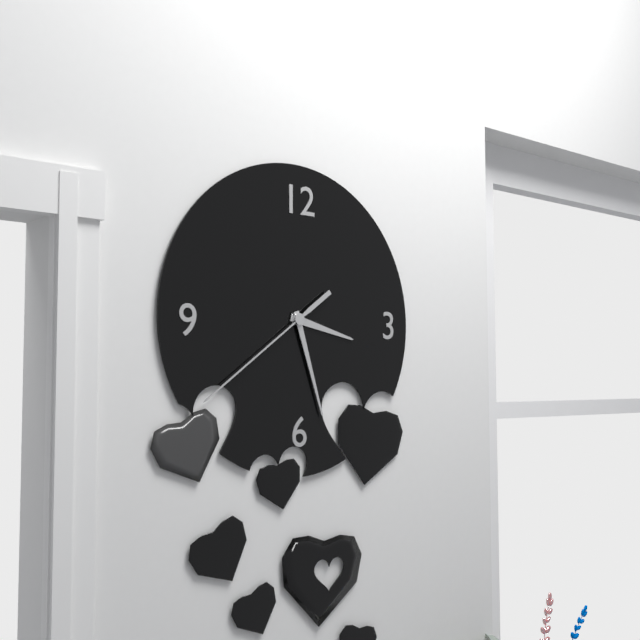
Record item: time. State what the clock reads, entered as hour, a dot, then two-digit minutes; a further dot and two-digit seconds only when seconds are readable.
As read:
3.27.39
